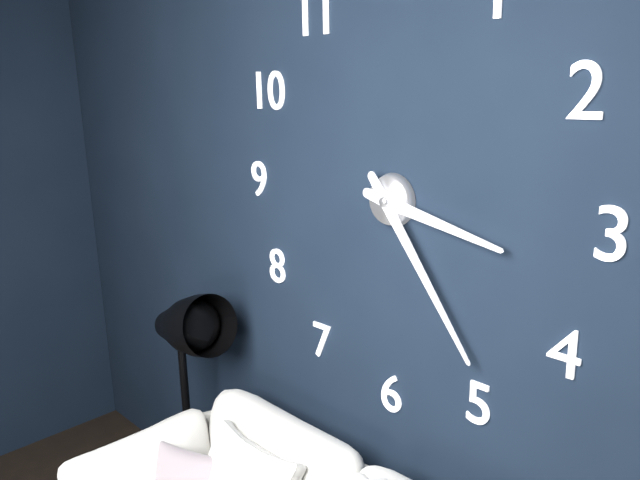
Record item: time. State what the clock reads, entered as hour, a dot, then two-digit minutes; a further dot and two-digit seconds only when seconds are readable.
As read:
3.24
